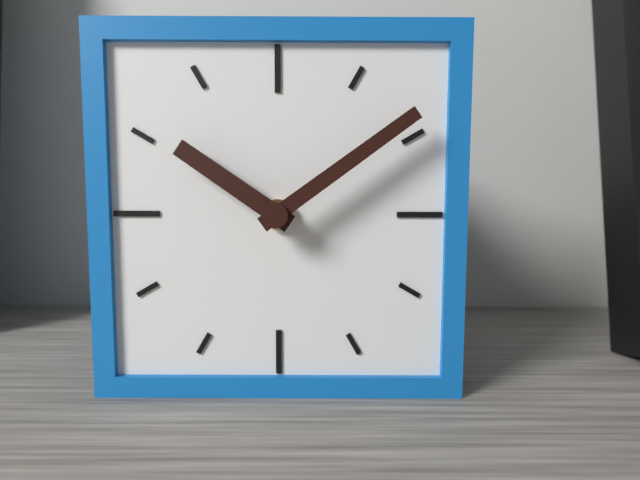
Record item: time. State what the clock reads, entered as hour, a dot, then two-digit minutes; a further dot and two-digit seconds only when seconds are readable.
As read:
10.09
